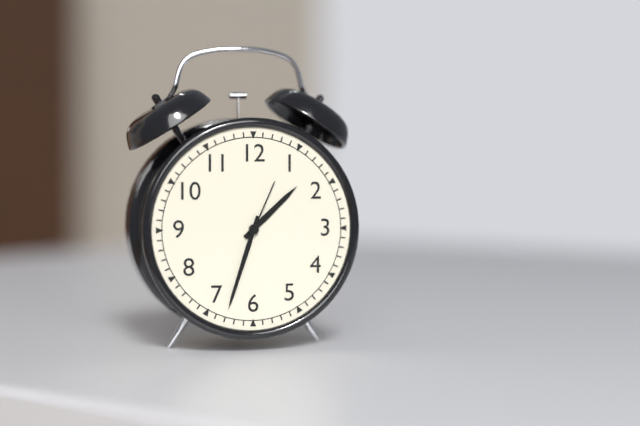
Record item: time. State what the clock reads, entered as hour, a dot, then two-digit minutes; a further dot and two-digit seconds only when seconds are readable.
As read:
1.33.04
